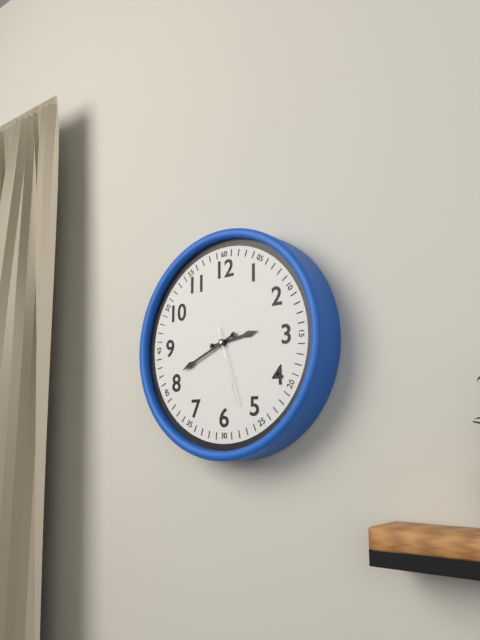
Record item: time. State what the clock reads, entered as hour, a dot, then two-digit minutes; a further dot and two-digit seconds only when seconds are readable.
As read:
2.41.27
